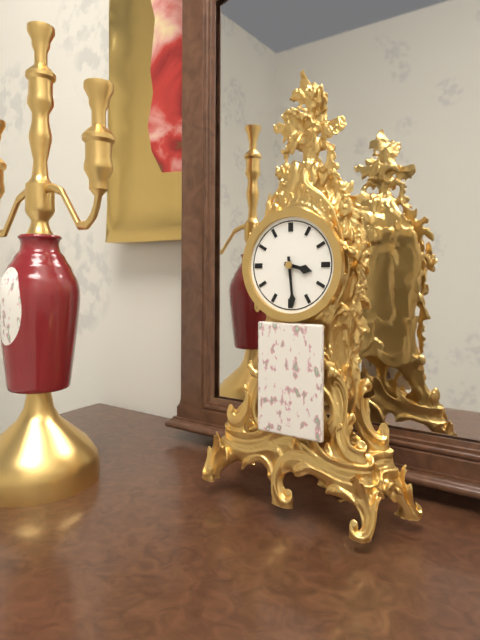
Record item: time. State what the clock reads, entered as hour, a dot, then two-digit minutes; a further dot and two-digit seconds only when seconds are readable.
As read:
3.29
